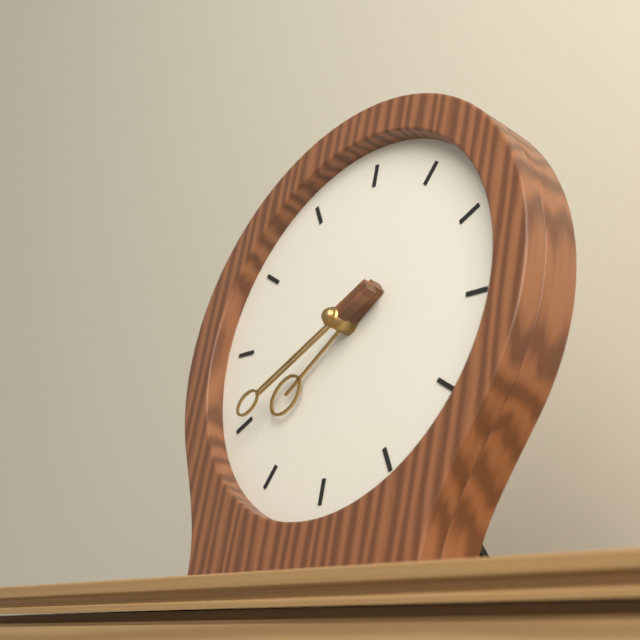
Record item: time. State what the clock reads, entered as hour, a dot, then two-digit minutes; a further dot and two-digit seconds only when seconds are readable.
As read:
7.40
